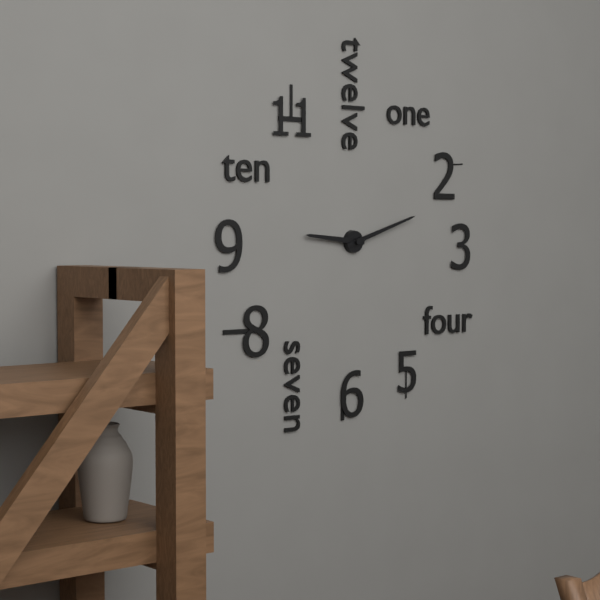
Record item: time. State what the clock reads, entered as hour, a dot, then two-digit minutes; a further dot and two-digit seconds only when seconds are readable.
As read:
9.12
